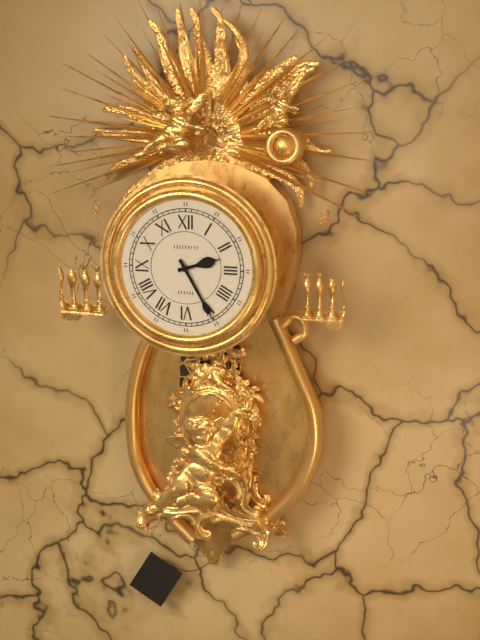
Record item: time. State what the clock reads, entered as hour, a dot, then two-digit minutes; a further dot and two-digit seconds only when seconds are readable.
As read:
2.25
